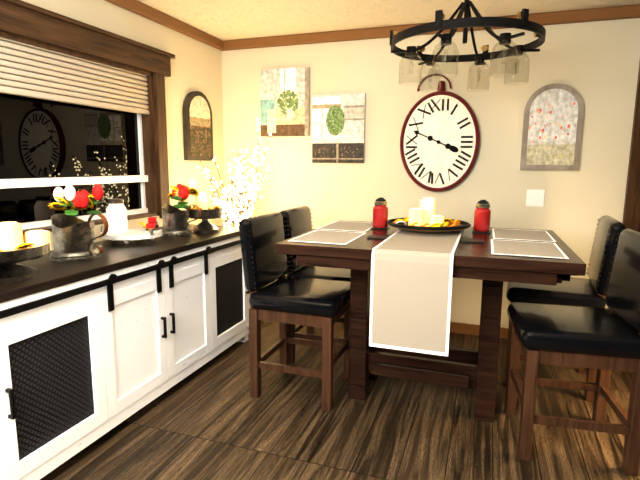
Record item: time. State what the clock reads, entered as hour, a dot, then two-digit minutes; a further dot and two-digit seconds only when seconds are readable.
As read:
3.49
